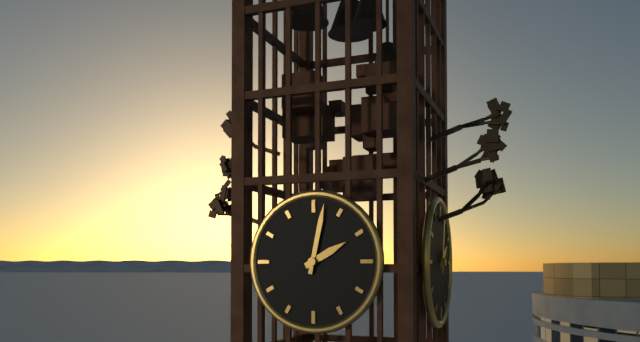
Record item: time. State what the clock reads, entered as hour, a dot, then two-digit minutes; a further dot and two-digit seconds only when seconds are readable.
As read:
2.02
